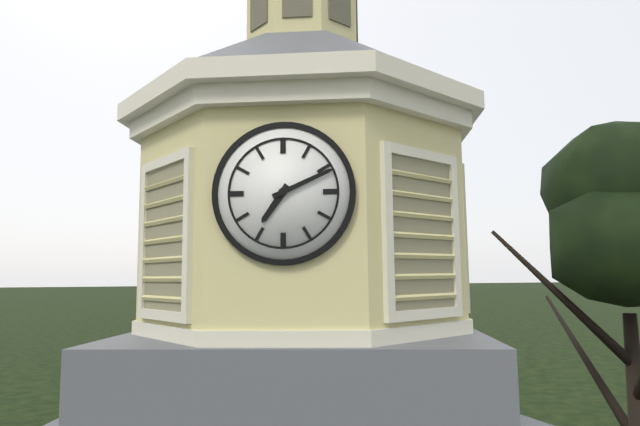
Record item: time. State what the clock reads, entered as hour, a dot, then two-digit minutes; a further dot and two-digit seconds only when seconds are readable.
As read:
7.11
